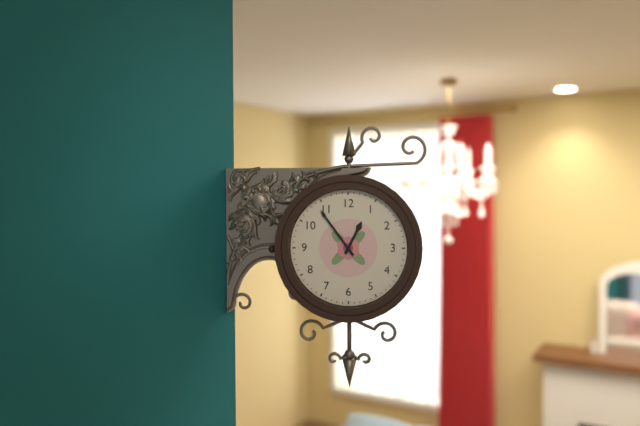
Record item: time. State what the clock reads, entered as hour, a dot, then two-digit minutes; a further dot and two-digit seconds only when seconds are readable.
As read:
12.54
